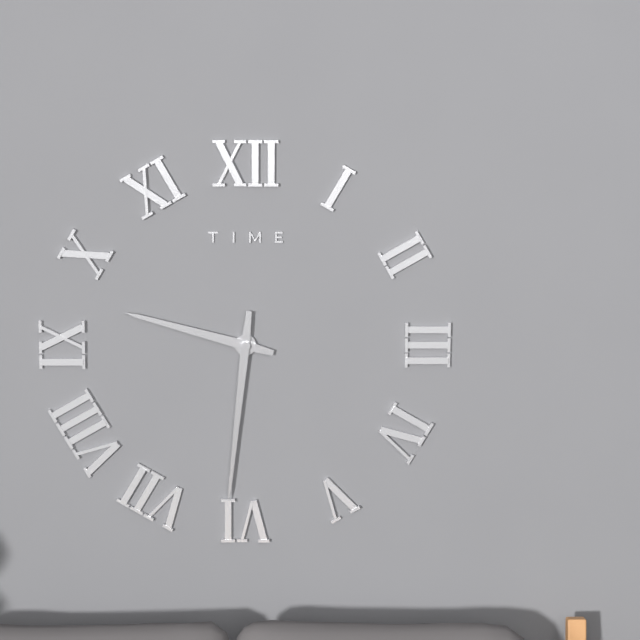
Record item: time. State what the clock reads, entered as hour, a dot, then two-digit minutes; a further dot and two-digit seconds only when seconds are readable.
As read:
9.31
